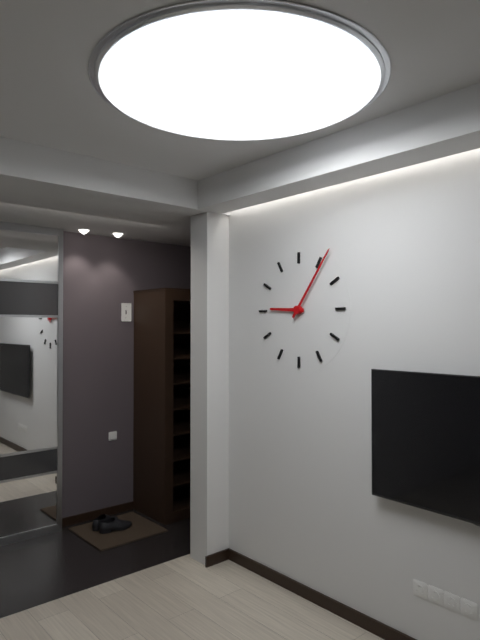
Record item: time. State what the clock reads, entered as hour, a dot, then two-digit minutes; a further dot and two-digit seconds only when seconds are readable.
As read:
9.06
